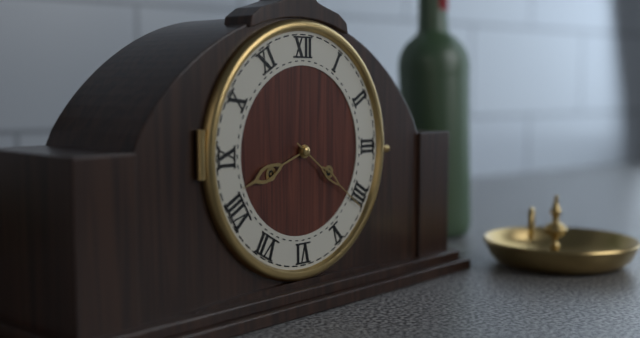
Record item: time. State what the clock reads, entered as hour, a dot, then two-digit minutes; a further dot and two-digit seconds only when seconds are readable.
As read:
8.21
